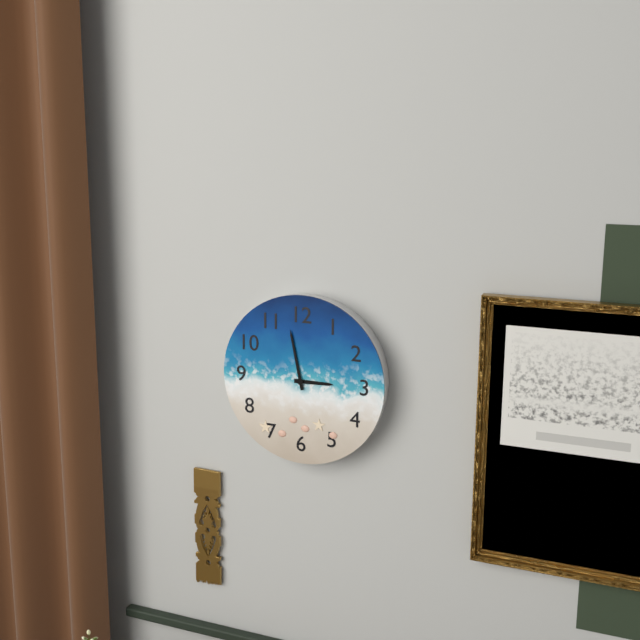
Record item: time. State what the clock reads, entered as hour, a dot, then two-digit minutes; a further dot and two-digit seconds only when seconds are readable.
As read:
2.58
